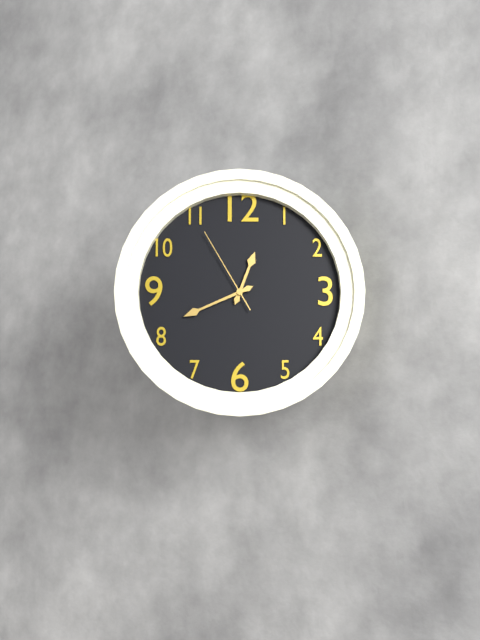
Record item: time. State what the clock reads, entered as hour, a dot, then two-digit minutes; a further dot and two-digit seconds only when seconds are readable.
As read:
12.41.55
